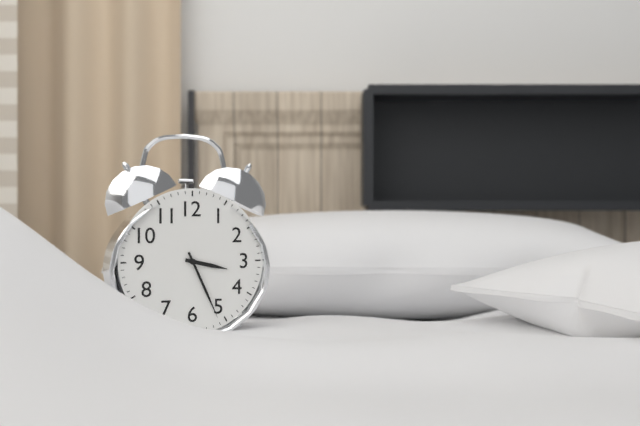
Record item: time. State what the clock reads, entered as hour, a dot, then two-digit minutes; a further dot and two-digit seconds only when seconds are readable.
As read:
3.26
